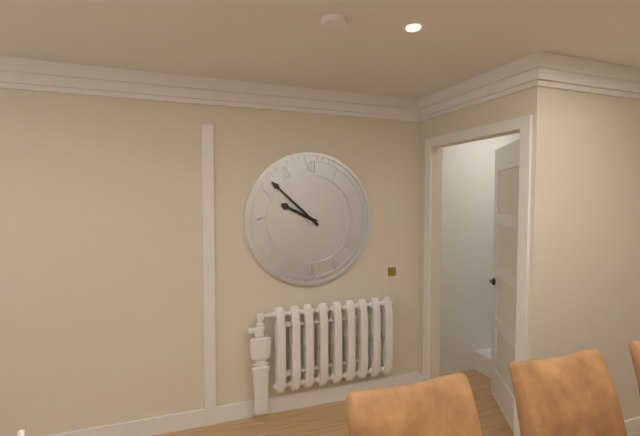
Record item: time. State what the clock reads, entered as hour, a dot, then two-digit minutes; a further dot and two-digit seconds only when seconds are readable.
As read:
9.52
